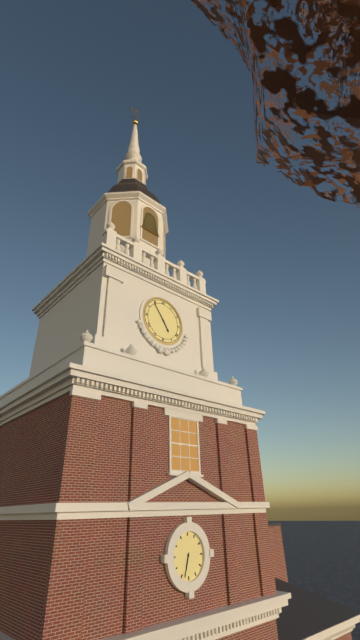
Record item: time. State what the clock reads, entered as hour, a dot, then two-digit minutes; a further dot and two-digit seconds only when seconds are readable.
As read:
4.54
